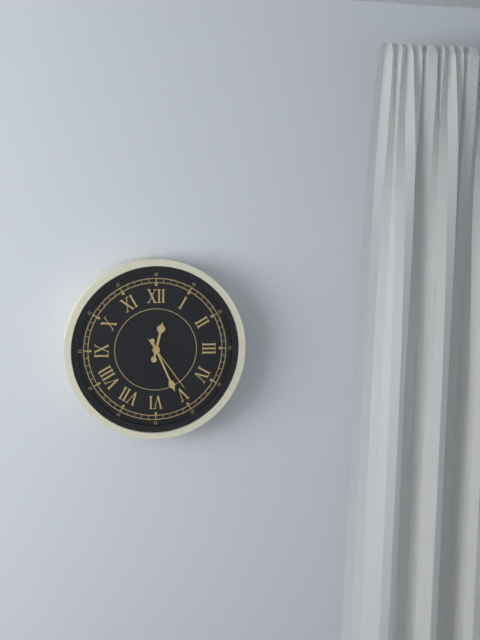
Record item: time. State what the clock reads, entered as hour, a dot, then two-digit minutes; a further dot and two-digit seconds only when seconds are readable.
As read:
12.26.24
